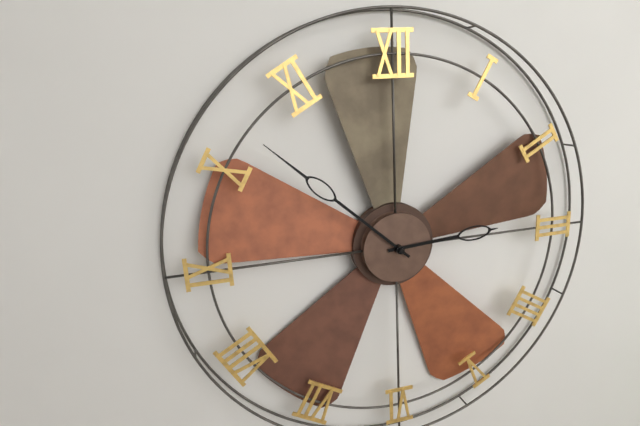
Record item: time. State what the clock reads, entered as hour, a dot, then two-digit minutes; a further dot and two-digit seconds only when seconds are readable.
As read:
2.52
